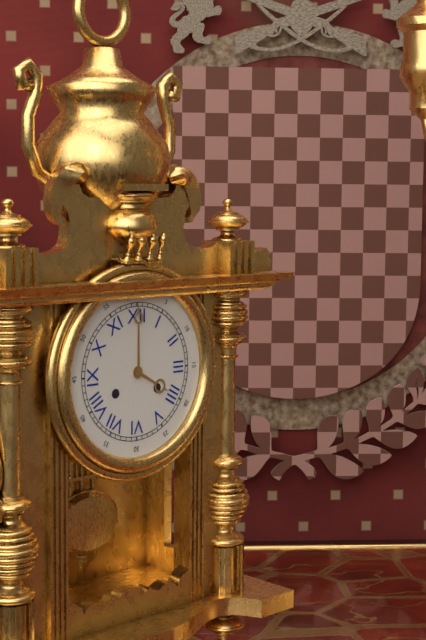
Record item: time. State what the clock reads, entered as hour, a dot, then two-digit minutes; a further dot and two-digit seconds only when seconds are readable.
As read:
4.00
